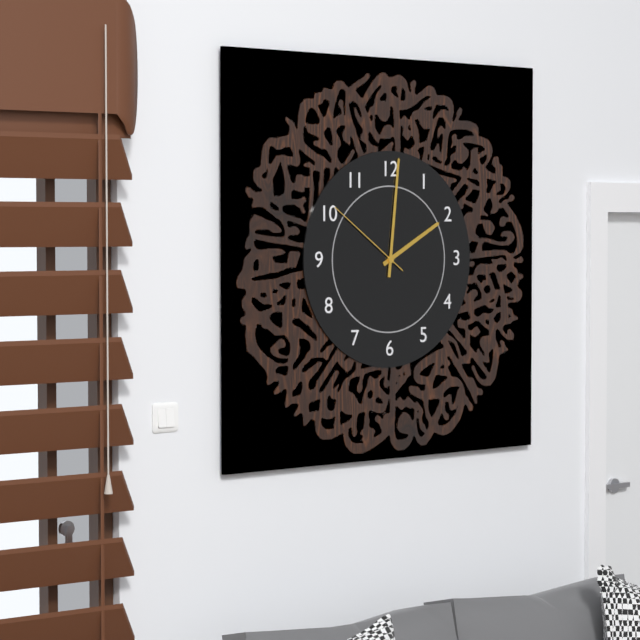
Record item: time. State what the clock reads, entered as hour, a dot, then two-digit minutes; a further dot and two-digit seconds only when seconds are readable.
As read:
2.01.51
